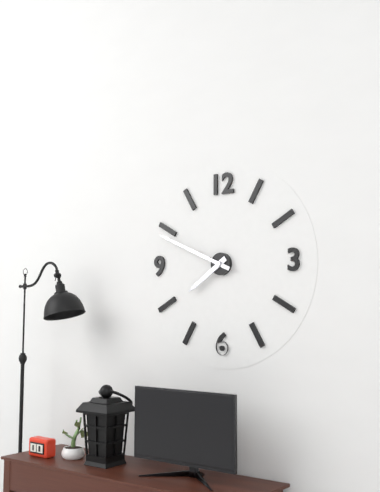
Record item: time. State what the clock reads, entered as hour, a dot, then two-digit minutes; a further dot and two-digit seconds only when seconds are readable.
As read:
7.49
